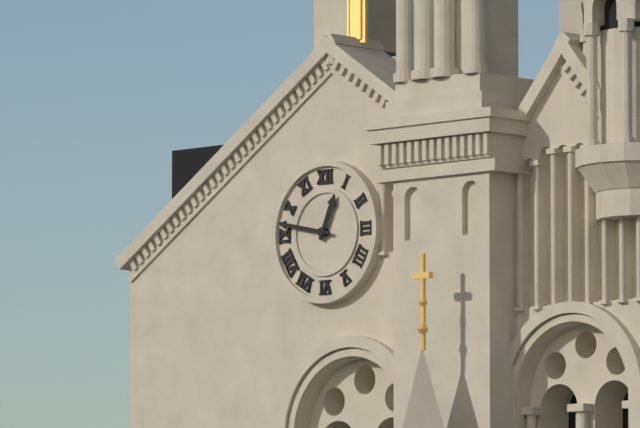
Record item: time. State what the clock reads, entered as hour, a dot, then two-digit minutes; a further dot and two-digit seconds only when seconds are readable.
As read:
12.47
